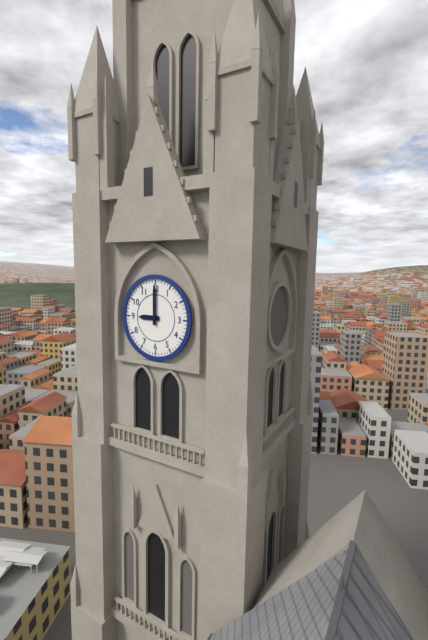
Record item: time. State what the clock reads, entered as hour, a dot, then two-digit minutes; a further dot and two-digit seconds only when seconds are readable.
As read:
9.00
